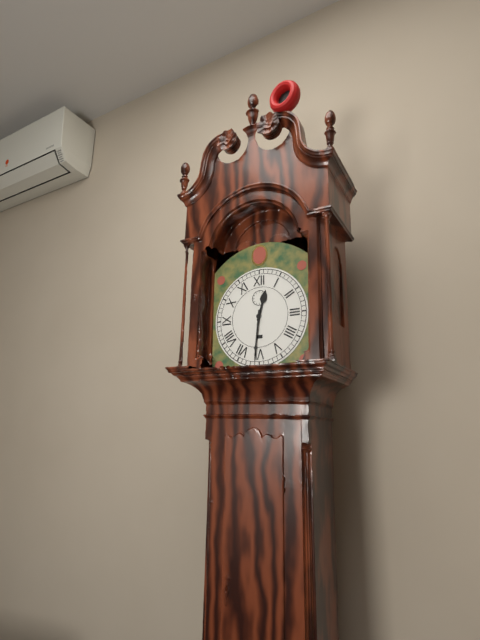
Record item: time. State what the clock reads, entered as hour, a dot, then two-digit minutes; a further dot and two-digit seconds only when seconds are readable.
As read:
12.31
